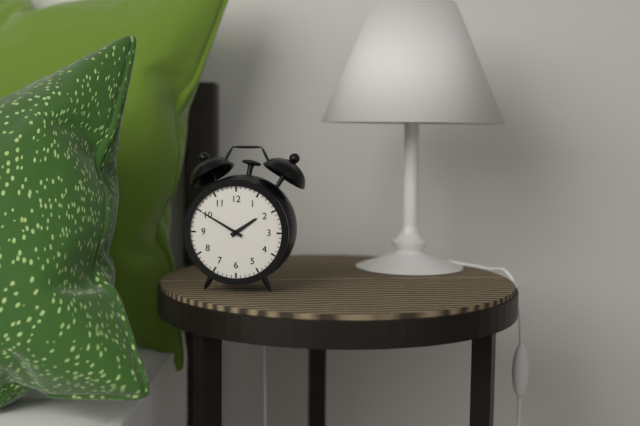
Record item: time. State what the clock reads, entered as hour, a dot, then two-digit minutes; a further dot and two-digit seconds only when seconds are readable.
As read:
1.50
